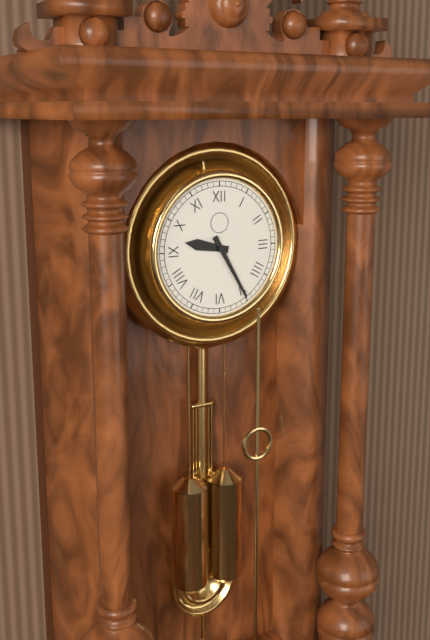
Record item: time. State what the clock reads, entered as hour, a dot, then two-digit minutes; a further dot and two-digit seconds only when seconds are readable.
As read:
9.25
